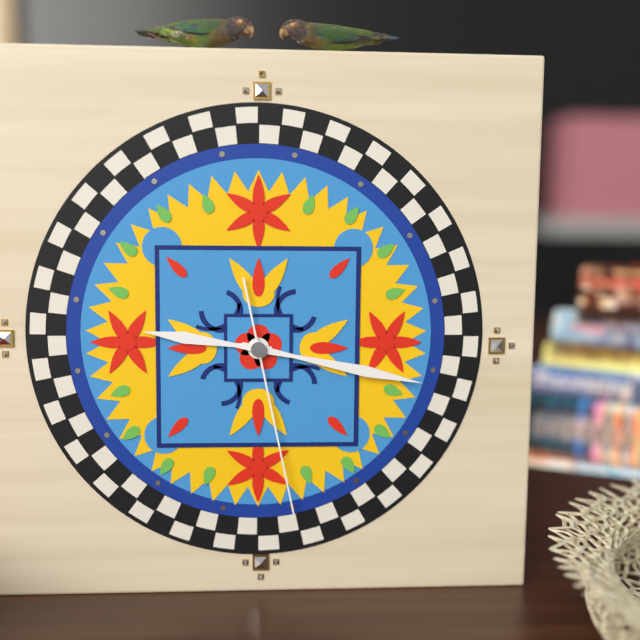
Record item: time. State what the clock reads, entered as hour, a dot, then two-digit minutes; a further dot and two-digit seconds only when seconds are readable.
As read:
9.17.28
